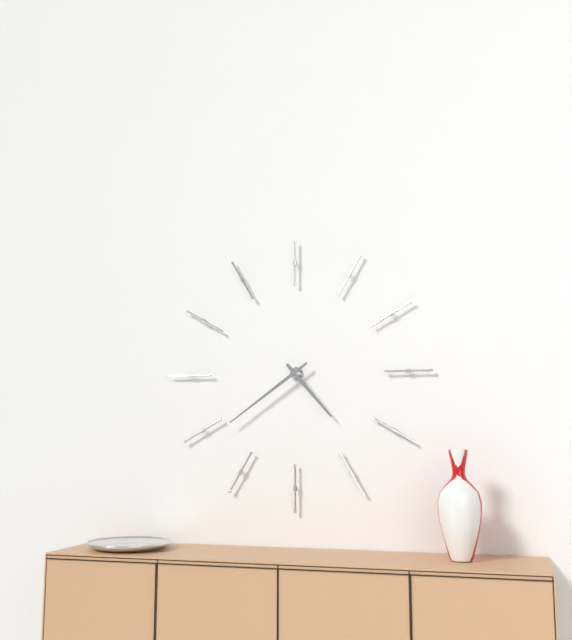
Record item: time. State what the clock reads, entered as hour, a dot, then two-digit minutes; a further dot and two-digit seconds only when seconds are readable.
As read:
4.39
